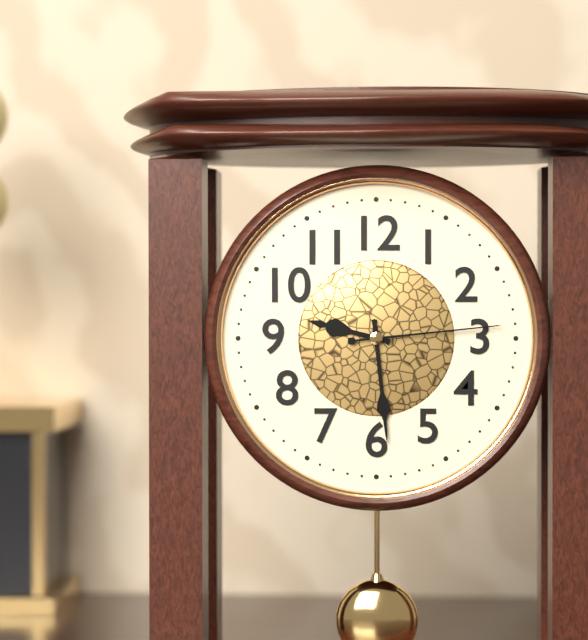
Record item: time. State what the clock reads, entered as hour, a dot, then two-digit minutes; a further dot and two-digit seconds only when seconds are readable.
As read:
9.29.14
